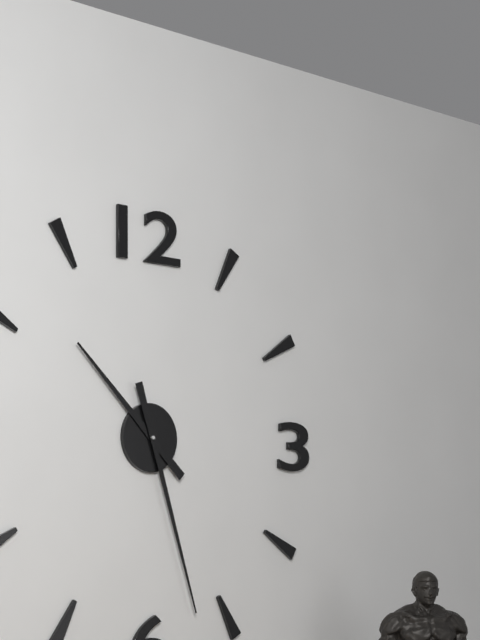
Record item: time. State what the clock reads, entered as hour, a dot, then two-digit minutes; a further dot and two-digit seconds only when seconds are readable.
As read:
10.27
